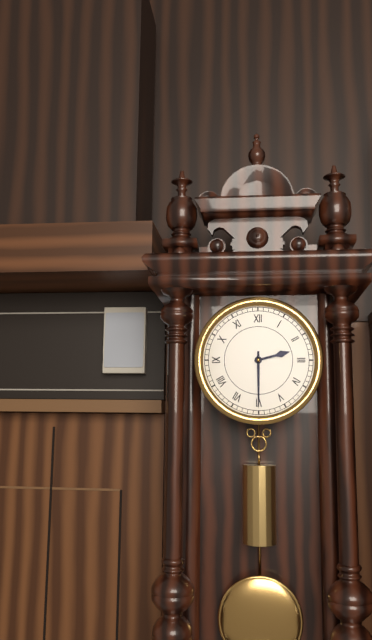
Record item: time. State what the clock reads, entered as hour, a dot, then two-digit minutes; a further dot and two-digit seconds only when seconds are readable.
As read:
2.30
